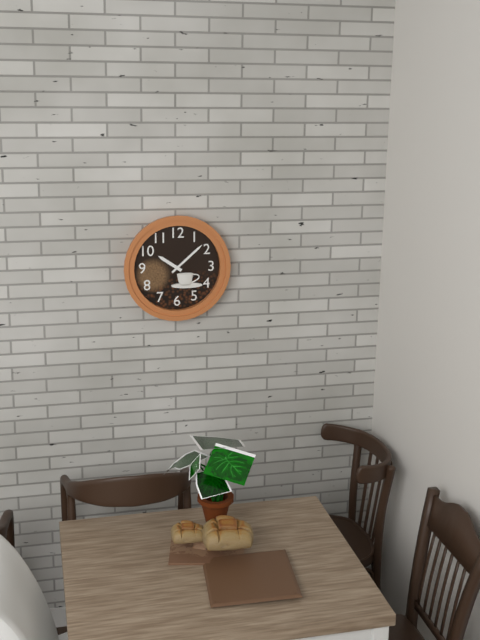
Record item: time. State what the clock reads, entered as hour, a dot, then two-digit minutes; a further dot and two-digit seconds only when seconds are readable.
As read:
10.08
